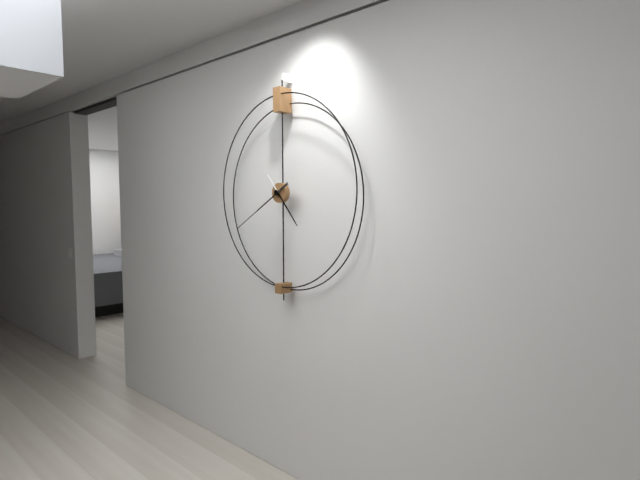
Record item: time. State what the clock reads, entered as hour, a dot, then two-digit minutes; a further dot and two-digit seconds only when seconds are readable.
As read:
4.40
